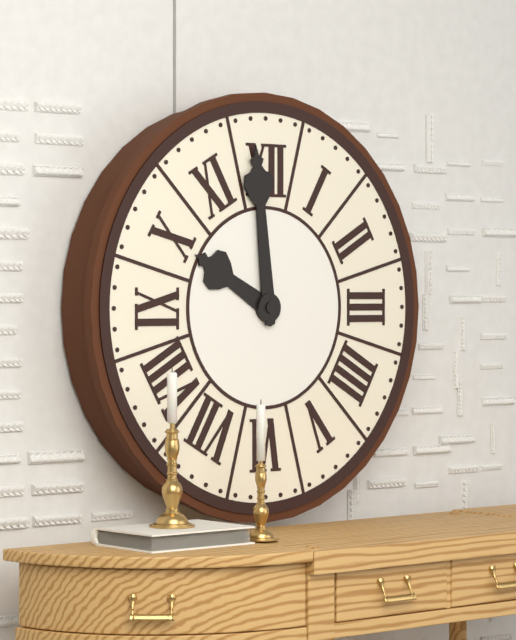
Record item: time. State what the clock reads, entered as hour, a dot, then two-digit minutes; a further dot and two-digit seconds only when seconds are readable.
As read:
9.59
